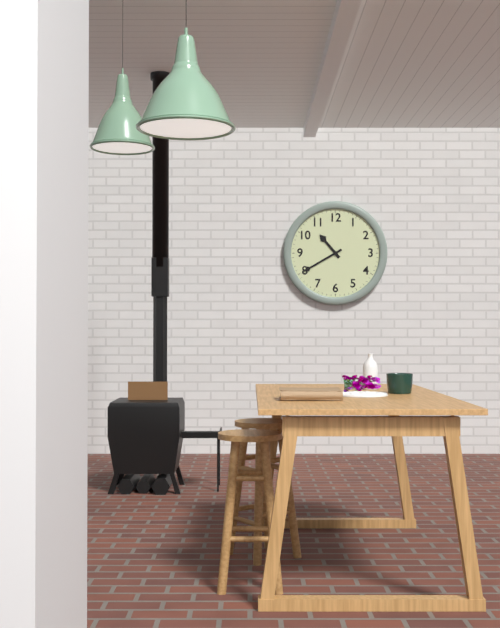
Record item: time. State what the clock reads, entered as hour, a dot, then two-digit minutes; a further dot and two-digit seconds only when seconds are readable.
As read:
10.40
